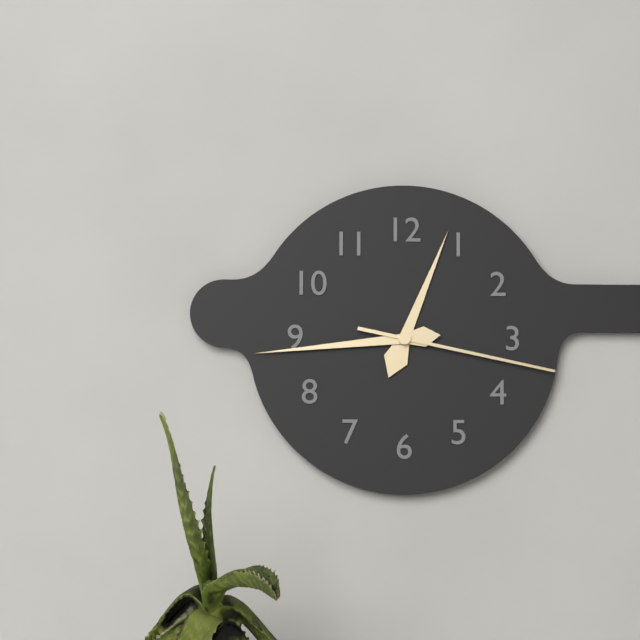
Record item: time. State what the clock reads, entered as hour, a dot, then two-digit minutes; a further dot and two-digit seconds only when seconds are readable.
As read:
12.44.17
